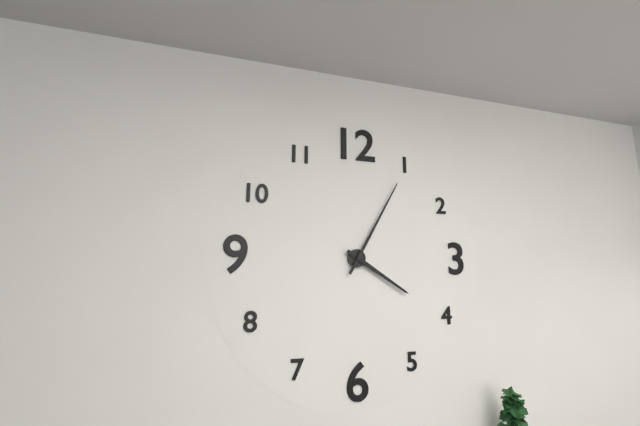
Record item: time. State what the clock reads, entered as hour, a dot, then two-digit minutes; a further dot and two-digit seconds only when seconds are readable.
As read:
4.05
